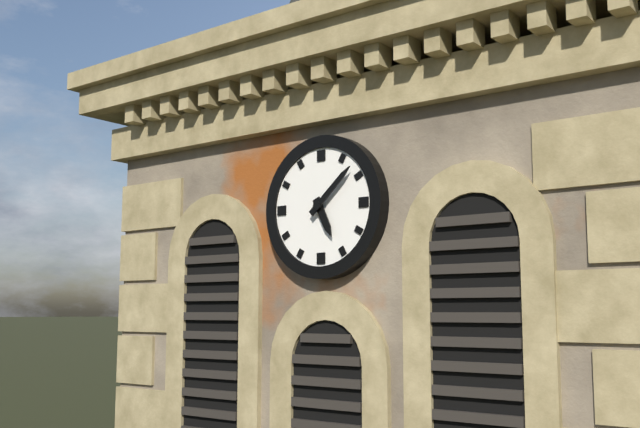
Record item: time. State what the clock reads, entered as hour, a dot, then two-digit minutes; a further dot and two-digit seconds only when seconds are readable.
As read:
5.08
